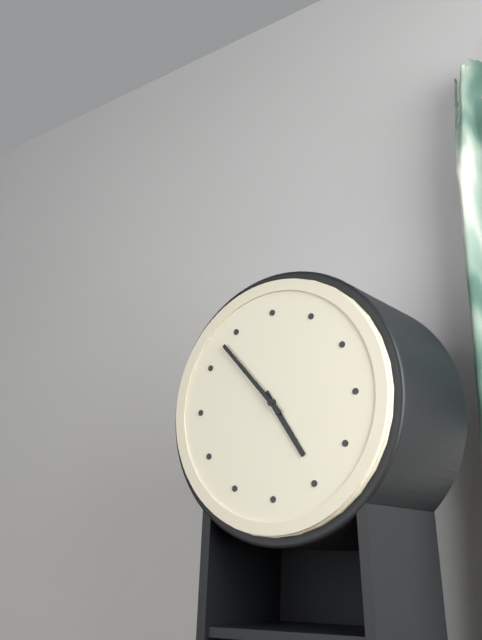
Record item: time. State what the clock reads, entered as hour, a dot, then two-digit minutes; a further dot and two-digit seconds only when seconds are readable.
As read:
4.53
